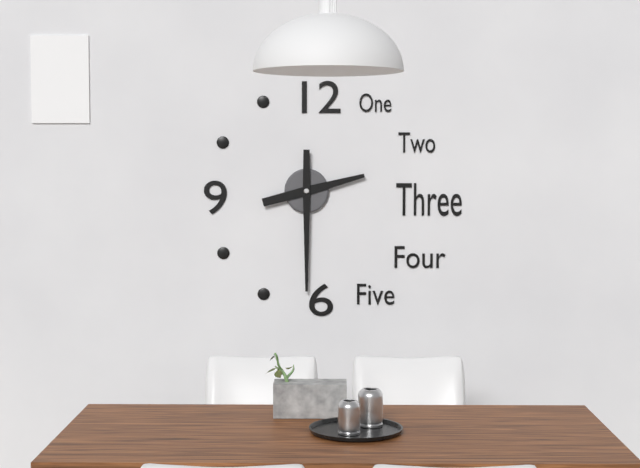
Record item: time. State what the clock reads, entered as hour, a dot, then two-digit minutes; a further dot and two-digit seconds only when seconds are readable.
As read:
2.30
